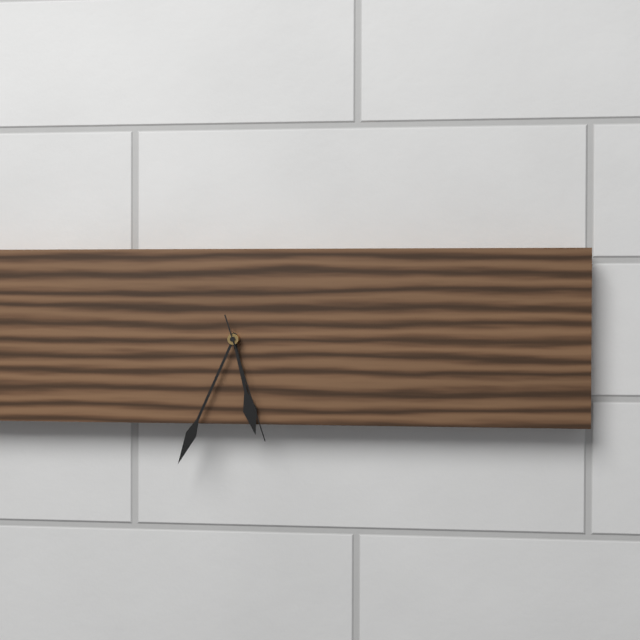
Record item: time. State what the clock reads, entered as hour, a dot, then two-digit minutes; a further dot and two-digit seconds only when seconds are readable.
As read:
5.34.27
